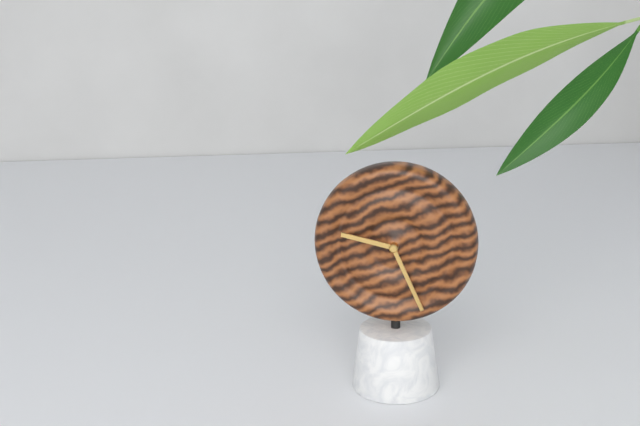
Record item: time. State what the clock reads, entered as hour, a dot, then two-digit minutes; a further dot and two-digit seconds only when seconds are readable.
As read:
9.26
